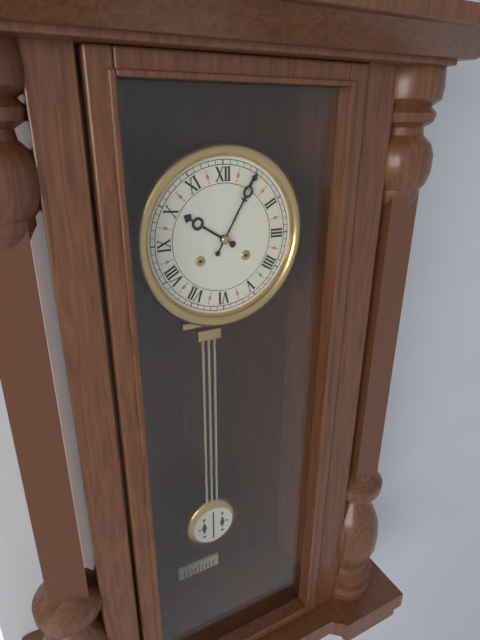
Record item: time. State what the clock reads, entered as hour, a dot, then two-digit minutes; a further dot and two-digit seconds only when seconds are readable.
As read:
10.05
